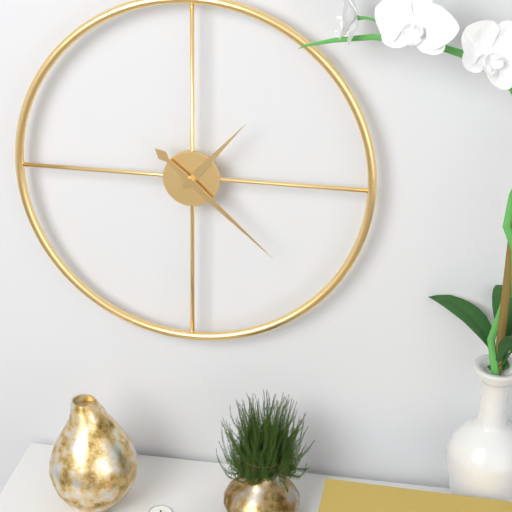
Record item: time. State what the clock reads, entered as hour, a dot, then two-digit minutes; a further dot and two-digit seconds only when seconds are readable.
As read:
1.22
